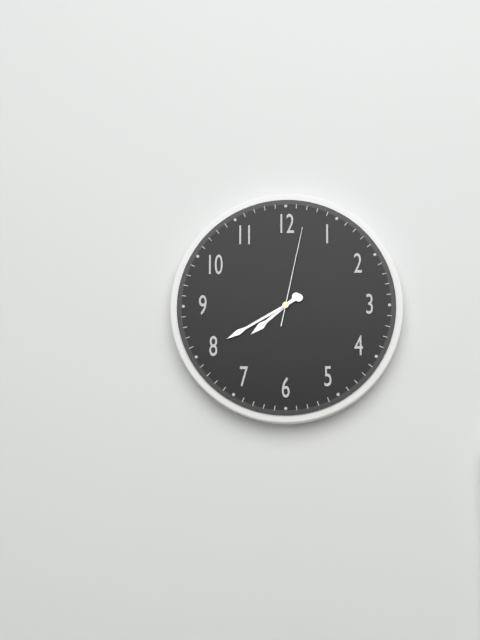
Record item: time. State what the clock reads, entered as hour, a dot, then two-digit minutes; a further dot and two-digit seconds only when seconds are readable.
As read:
7.40.02
